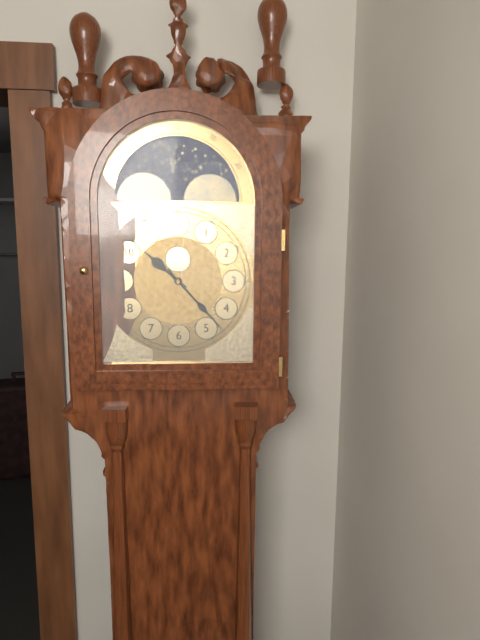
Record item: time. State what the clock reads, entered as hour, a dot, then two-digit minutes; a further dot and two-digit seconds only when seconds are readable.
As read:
10.23
